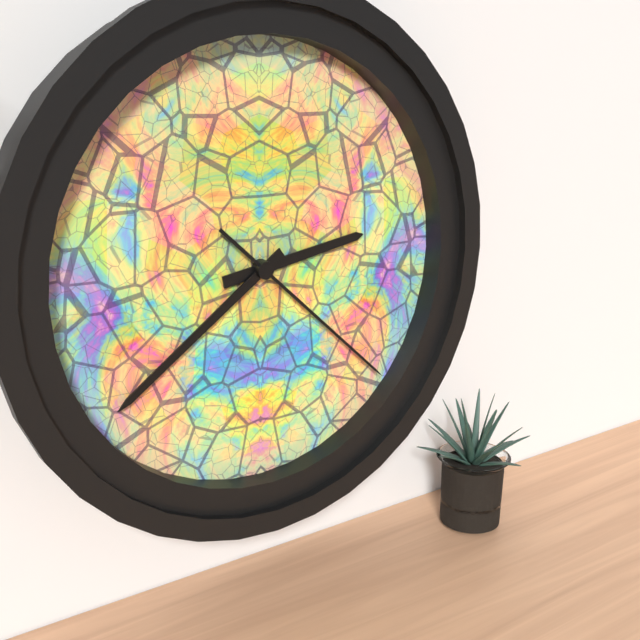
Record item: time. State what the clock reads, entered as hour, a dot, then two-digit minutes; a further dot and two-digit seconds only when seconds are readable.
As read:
2.39.22
